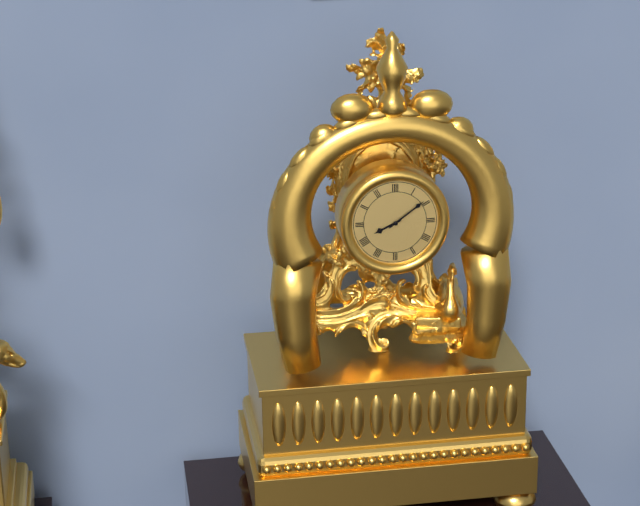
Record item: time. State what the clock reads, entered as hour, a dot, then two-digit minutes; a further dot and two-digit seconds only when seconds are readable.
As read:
8.09
